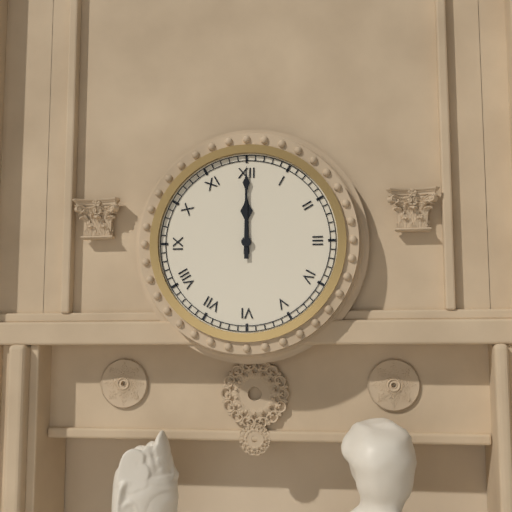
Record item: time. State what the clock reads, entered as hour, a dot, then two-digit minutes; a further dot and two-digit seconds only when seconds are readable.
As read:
12.00
